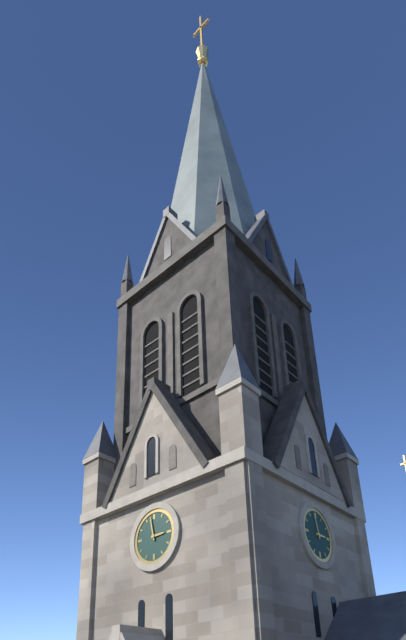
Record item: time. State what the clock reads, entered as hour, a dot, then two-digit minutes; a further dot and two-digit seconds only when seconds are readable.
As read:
2.58
